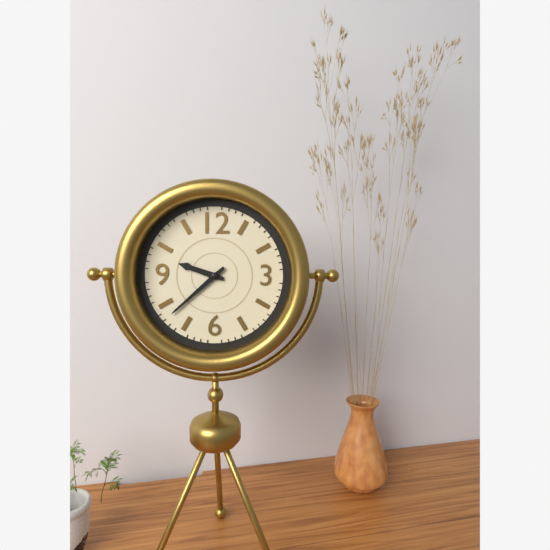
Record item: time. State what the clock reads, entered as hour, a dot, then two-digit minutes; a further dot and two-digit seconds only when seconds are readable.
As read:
9.38
